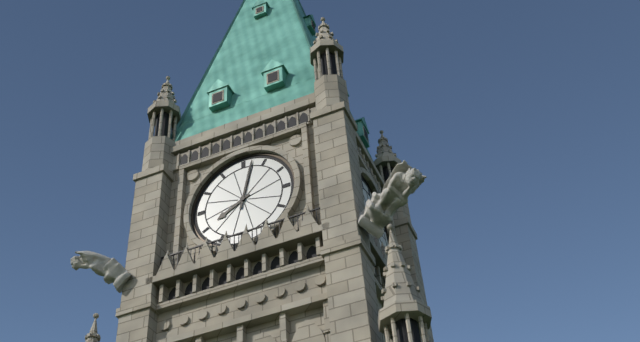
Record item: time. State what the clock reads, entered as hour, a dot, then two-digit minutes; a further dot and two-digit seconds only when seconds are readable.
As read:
8.02
